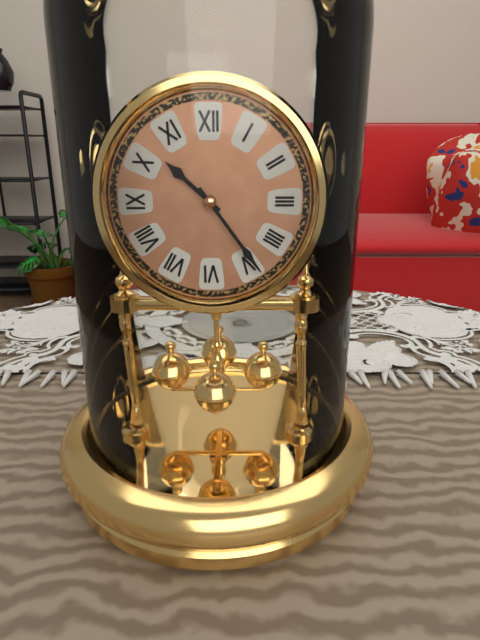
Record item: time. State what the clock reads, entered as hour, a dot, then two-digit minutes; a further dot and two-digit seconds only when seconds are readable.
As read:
10.24
